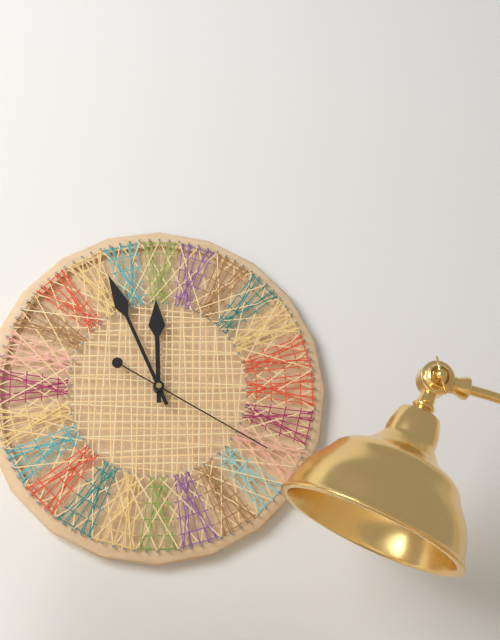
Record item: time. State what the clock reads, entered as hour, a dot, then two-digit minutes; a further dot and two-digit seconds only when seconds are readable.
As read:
11.56.20
